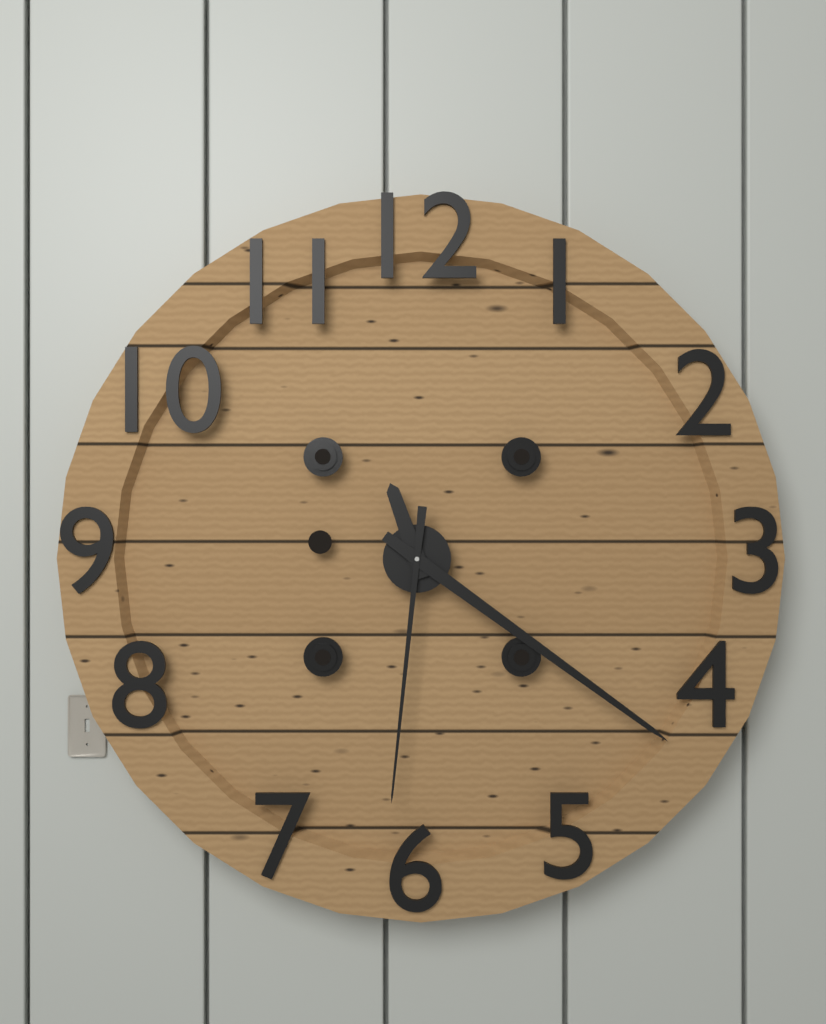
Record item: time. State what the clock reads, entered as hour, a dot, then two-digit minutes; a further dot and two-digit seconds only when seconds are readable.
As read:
11.21.31
